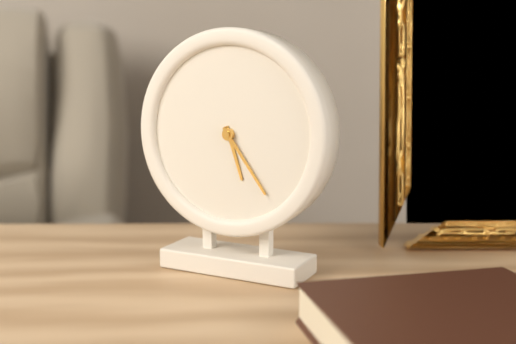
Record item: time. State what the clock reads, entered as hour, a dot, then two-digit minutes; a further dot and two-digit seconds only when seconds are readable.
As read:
5.24
